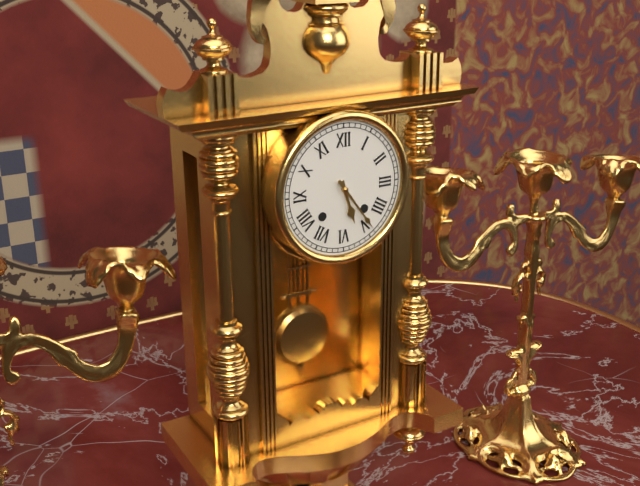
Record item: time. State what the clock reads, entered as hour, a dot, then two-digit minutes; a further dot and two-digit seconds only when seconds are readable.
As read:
5.24
